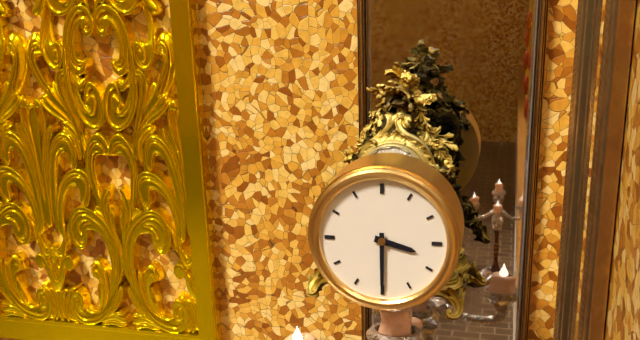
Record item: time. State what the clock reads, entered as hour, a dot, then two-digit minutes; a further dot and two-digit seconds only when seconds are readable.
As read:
3.30
